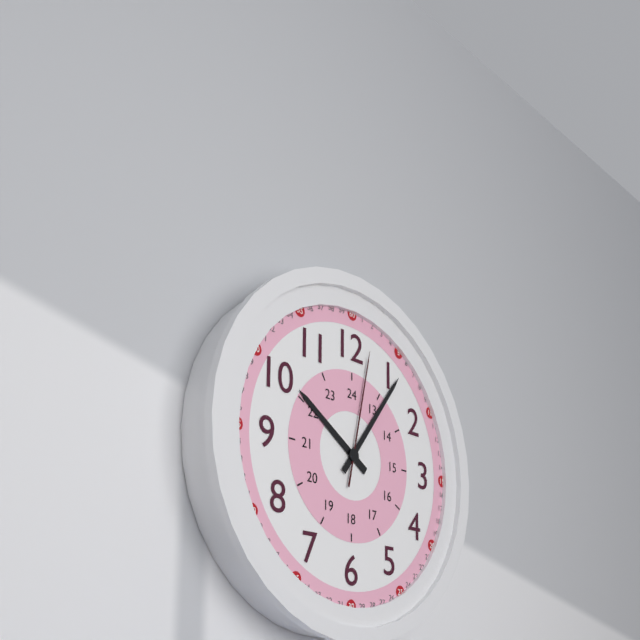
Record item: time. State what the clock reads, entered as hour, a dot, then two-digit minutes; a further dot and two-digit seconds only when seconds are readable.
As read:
10.06.02
